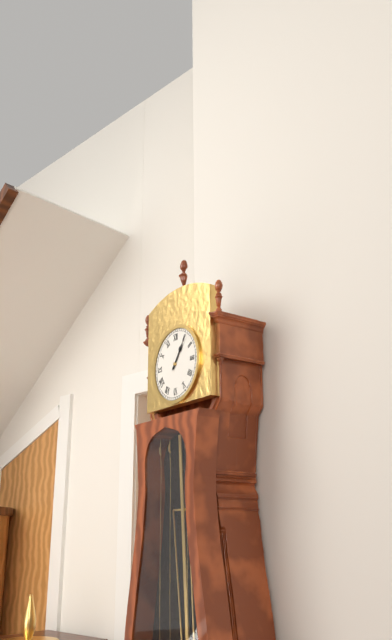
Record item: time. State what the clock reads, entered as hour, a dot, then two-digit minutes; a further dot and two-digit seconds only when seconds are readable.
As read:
1.06
